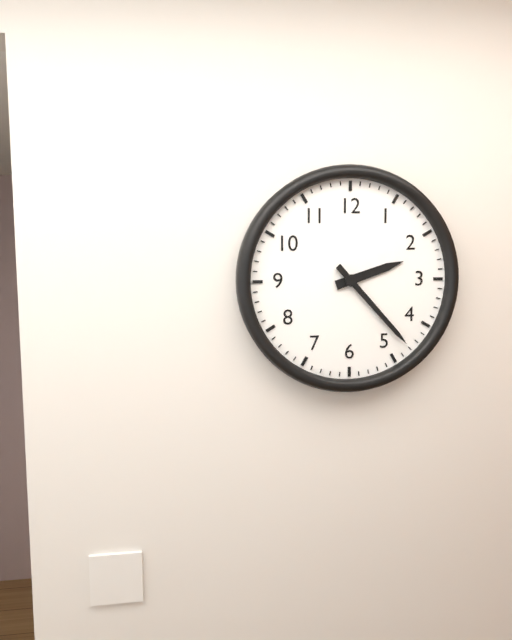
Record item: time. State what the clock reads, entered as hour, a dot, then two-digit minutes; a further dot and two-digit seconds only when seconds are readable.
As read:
2.23
